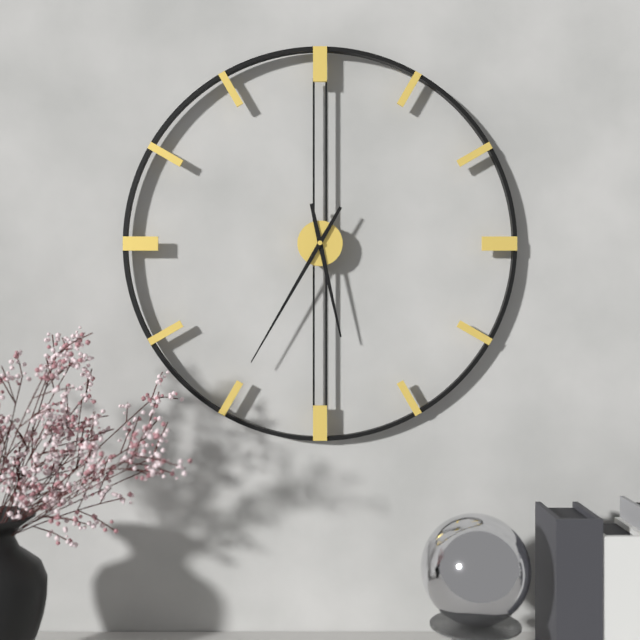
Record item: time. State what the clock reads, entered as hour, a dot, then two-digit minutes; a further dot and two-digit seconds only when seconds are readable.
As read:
5.35
